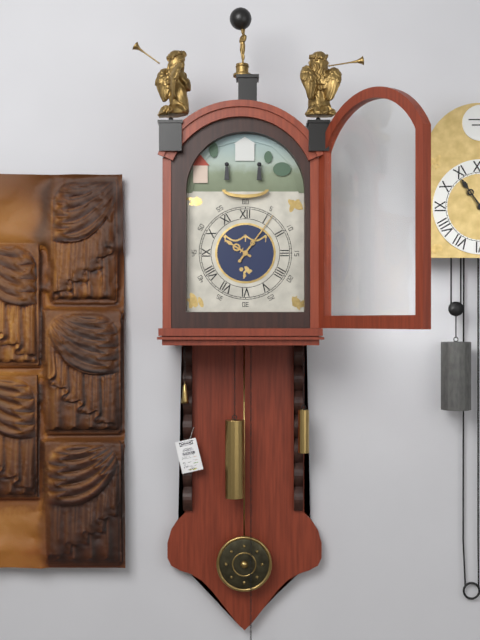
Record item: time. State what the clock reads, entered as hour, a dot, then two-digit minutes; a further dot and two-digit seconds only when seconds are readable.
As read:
10.06
